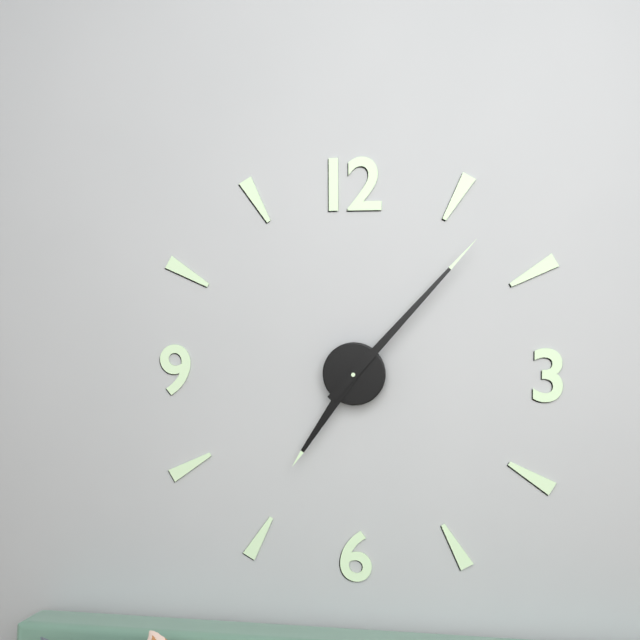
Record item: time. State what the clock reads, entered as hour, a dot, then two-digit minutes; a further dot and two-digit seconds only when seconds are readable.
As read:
7.07
